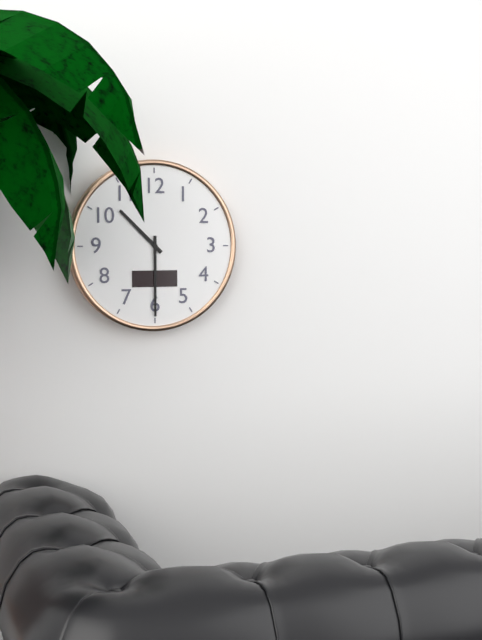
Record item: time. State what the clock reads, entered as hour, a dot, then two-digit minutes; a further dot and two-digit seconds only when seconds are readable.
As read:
10.30
